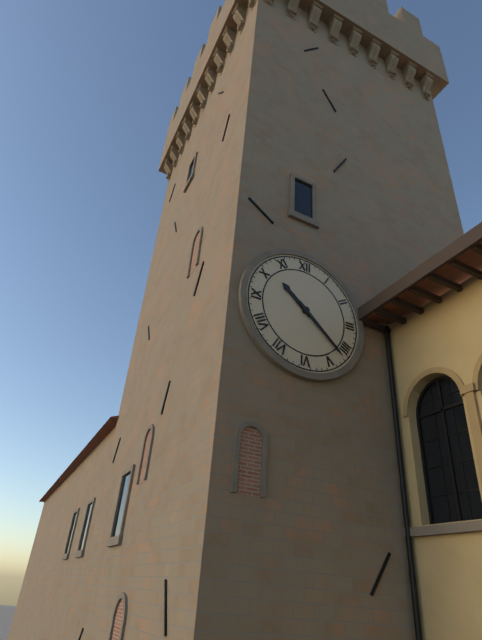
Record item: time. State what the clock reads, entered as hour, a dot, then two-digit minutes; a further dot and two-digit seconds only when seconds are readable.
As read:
10.22
